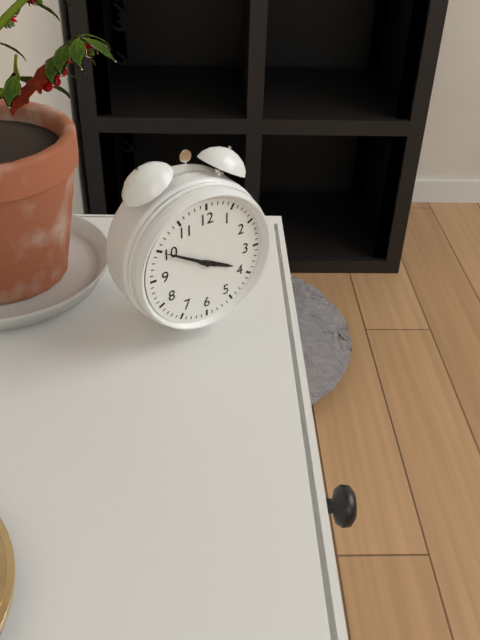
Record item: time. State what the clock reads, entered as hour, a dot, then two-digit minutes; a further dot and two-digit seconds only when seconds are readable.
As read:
3.50
